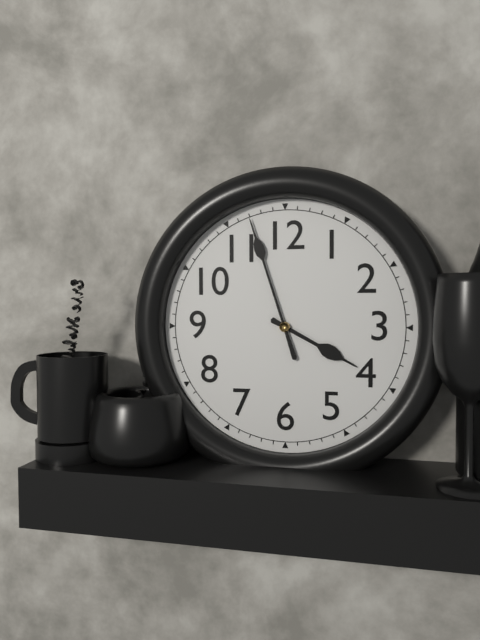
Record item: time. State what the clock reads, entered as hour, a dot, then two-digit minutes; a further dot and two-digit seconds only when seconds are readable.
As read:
3.57
